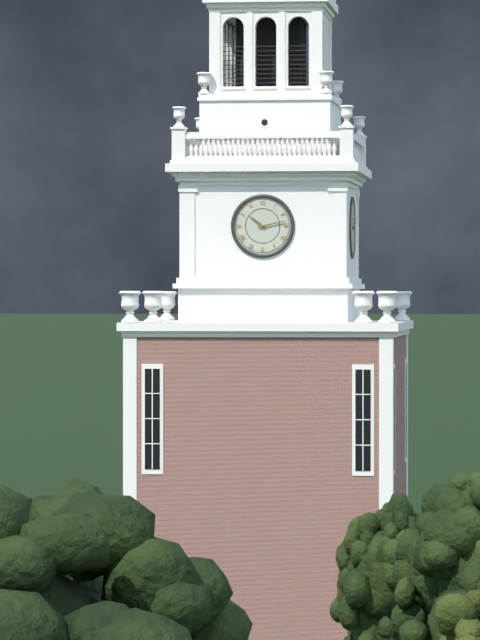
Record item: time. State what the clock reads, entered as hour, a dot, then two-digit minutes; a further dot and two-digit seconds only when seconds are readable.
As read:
10.13
